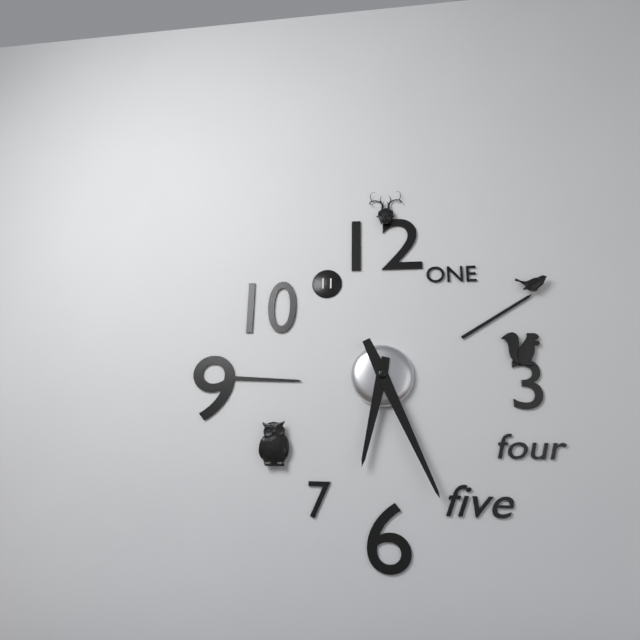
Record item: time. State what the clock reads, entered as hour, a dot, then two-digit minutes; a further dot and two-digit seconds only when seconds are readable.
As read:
6.26
